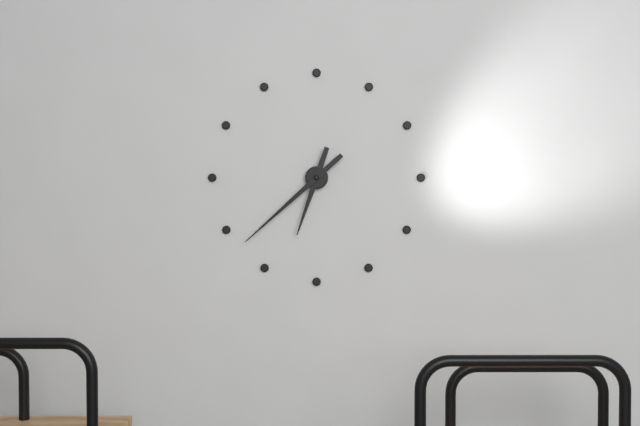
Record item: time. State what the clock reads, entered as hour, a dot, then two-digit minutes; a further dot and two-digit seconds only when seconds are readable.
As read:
6.38
